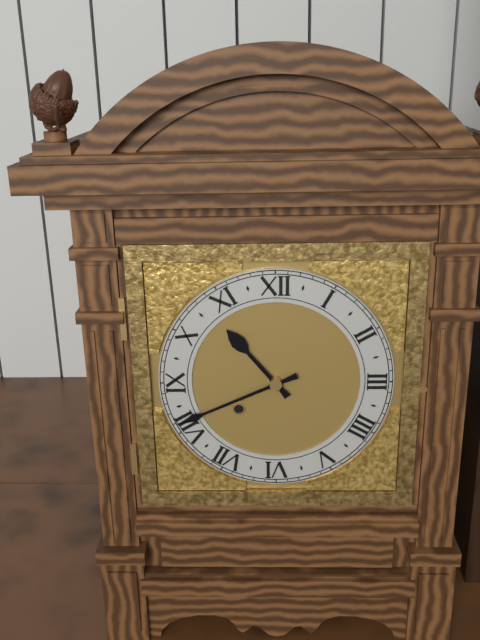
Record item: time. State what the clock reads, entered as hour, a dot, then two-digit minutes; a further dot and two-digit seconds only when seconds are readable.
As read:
10.41
